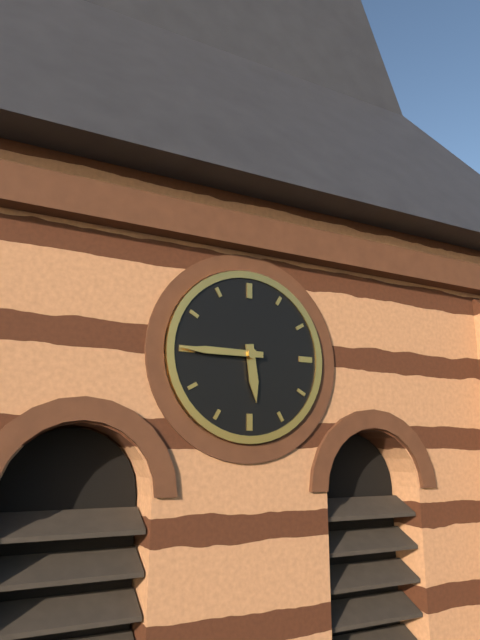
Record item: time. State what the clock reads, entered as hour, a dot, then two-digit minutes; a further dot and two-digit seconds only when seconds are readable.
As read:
5.45
